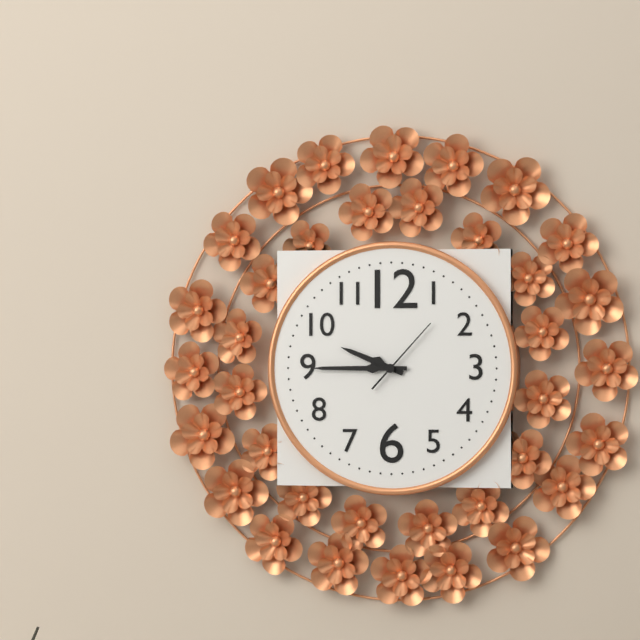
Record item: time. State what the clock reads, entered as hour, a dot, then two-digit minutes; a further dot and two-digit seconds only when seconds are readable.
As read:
9.45.07
